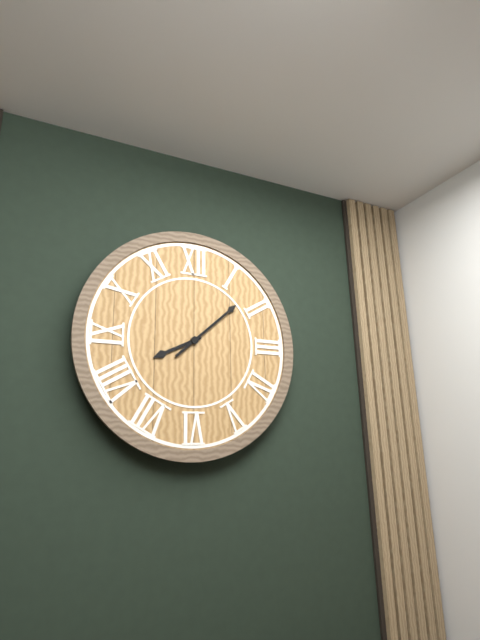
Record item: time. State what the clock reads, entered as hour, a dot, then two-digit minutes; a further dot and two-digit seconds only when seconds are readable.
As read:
8.08
